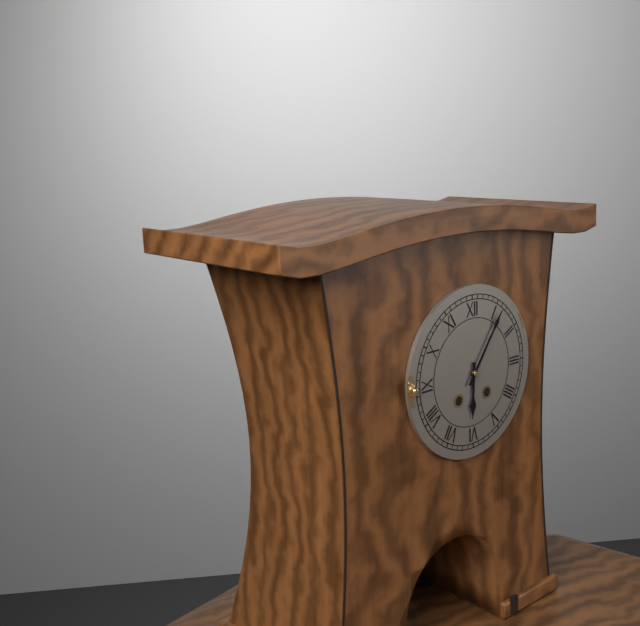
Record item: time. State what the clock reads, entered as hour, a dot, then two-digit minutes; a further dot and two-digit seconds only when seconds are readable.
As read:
6.06
